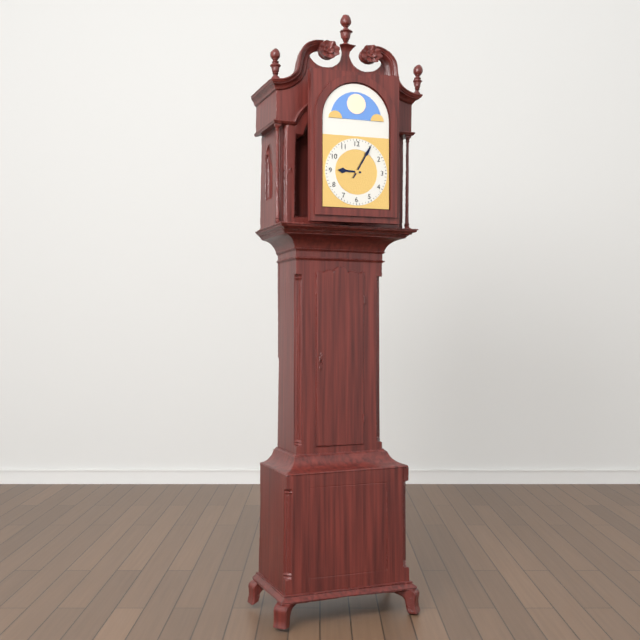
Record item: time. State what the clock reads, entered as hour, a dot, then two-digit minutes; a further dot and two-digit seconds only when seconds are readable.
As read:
9.05
